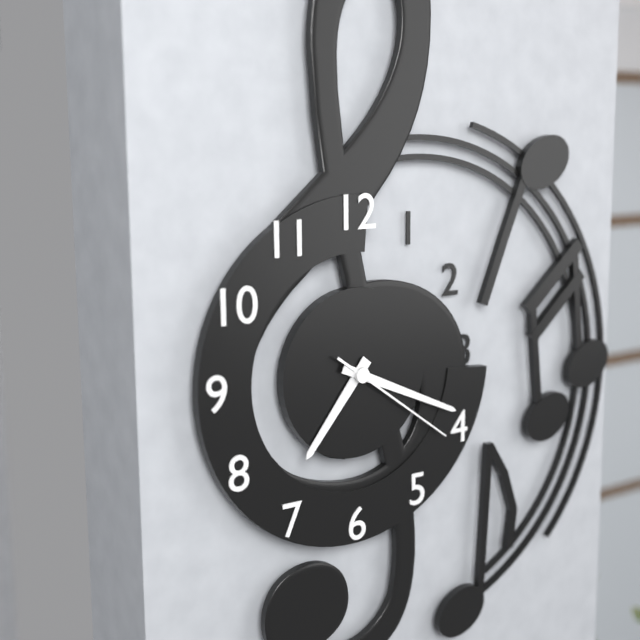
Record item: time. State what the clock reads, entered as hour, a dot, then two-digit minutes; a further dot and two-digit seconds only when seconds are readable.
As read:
7.19.21
